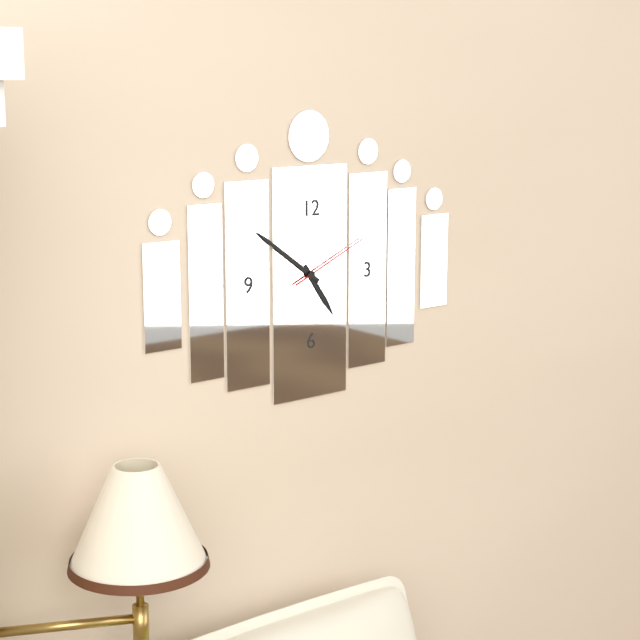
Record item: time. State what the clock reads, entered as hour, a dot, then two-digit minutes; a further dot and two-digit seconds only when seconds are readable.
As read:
4.51.11
